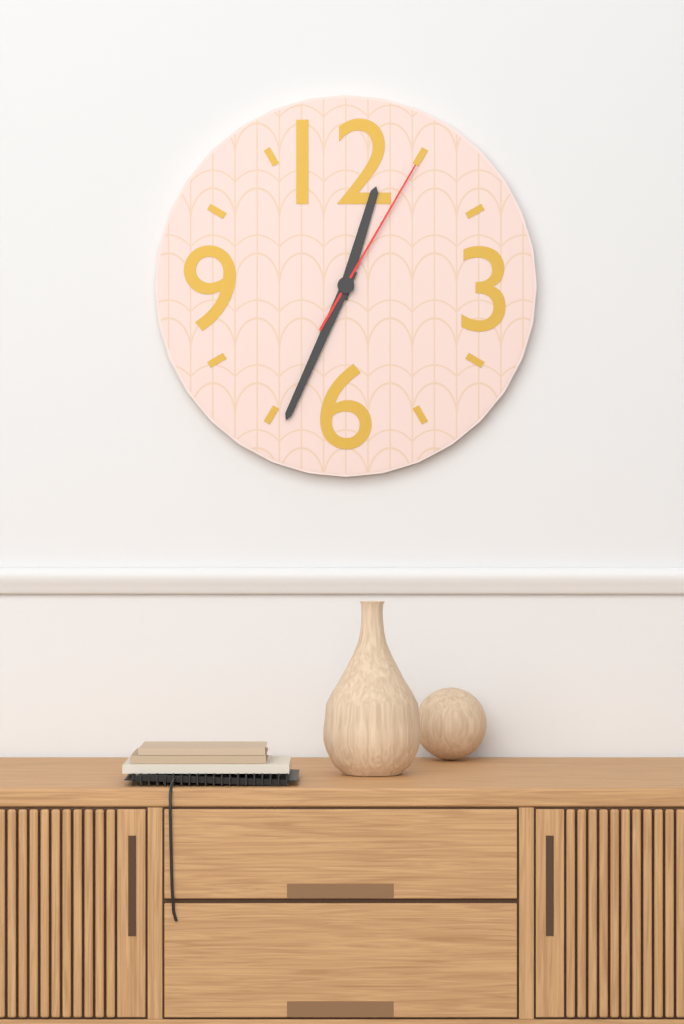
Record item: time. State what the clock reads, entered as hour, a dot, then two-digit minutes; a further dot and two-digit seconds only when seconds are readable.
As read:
12.34.05
